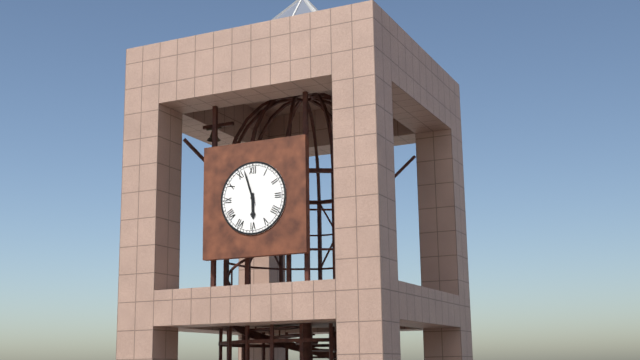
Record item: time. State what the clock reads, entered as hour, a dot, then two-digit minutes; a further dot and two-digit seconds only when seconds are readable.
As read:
5.57
